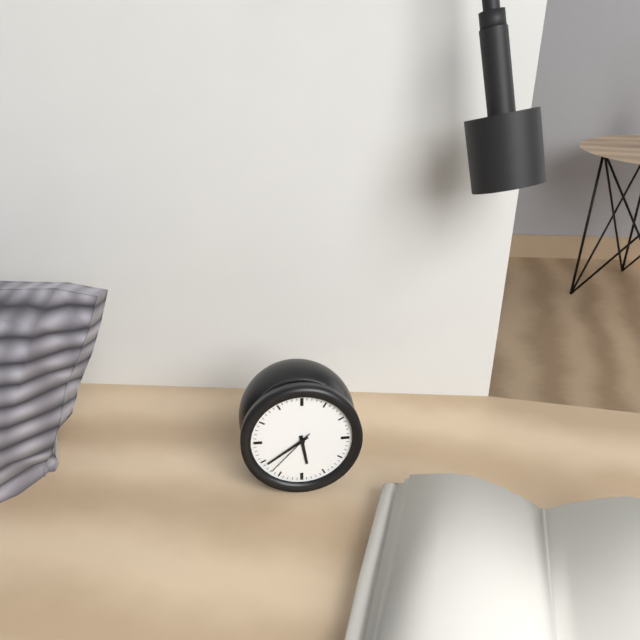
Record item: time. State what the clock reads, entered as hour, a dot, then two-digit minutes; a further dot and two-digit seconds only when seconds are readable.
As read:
5.39.37
